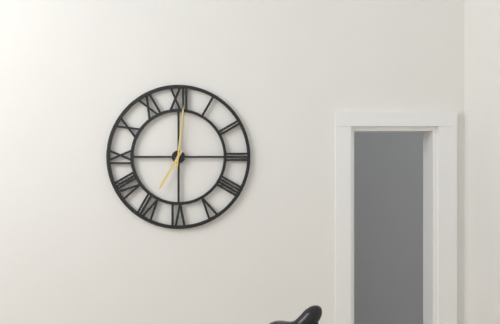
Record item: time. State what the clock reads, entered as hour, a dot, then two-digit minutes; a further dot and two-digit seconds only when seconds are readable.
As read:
7.01
